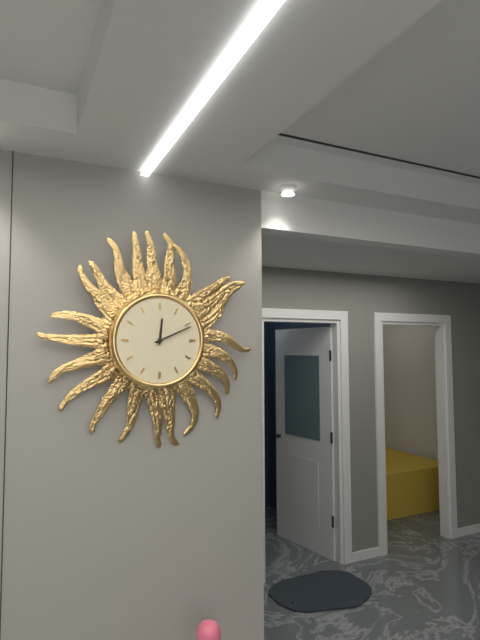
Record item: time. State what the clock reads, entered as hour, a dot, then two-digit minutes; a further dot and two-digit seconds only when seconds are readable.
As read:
12.11
